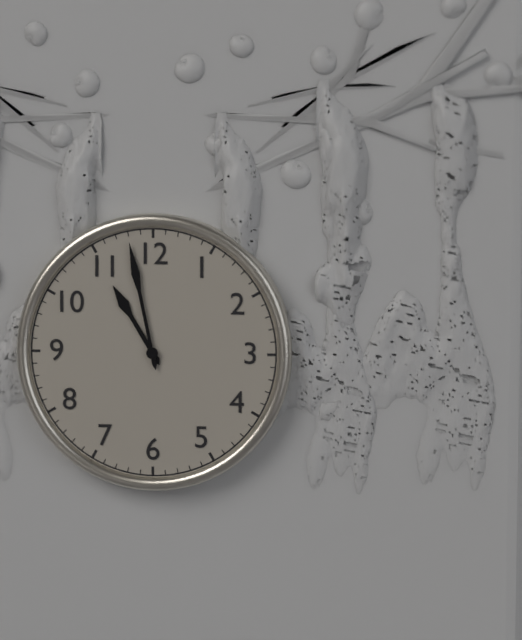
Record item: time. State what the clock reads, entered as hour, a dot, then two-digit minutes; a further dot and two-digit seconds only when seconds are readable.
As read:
10.58
